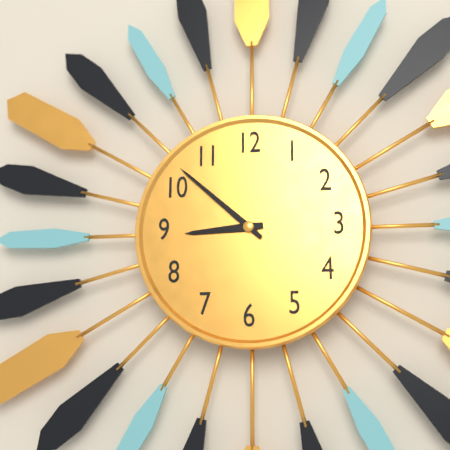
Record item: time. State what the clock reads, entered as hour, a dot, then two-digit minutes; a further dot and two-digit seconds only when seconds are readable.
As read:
8.52
